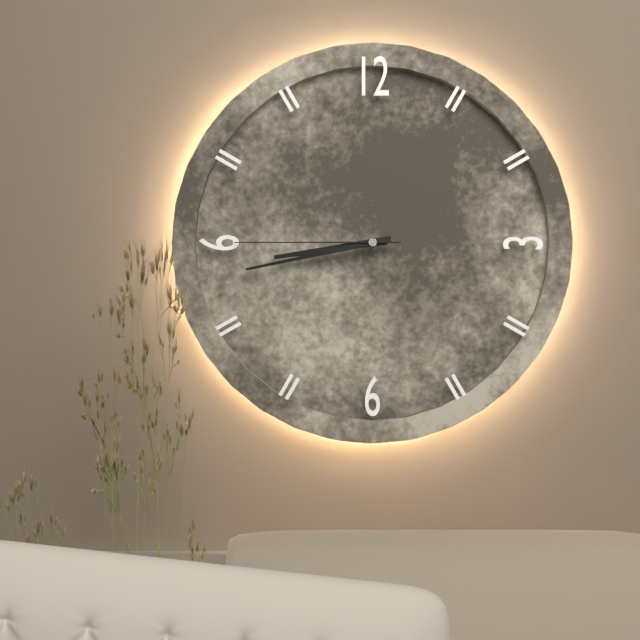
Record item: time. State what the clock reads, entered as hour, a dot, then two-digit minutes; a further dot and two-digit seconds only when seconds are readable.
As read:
8.43.45
